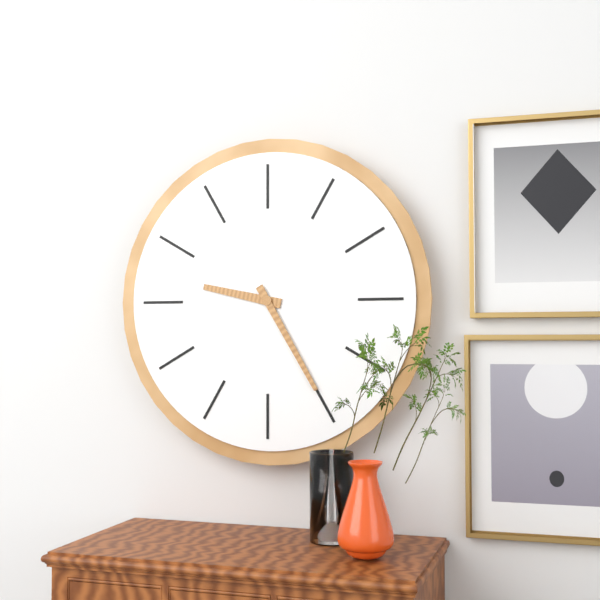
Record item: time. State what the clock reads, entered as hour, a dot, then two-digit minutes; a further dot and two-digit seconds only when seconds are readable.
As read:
9.25
